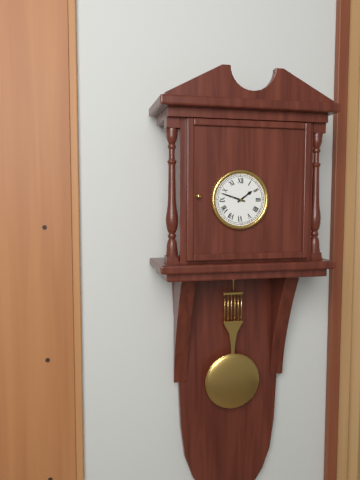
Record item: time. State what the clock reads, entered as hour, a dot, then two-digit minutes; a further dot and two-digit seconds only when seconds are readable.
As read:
1.48
